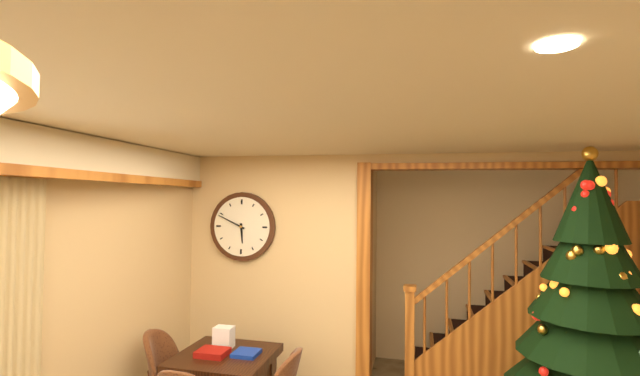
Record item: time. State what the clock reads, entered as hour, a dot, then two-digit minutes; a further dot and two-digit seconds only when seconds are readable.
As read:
5.49
